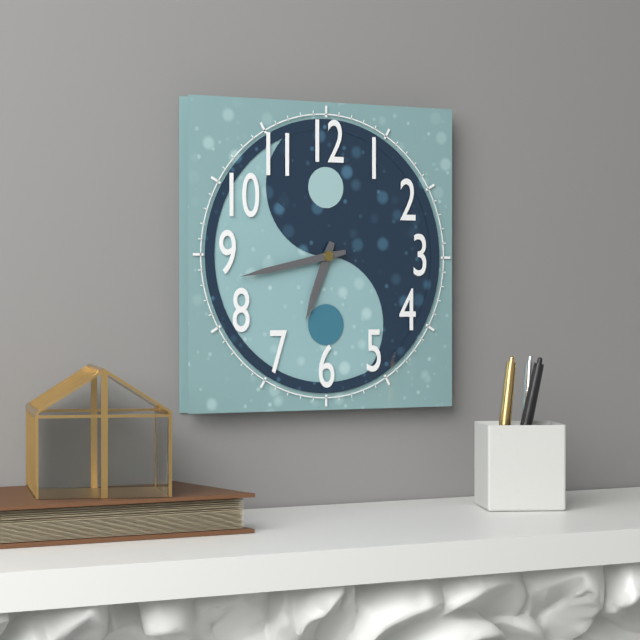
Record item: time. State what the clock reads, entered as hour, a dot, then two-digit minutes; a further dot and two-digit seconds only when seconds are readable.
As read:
6.43
